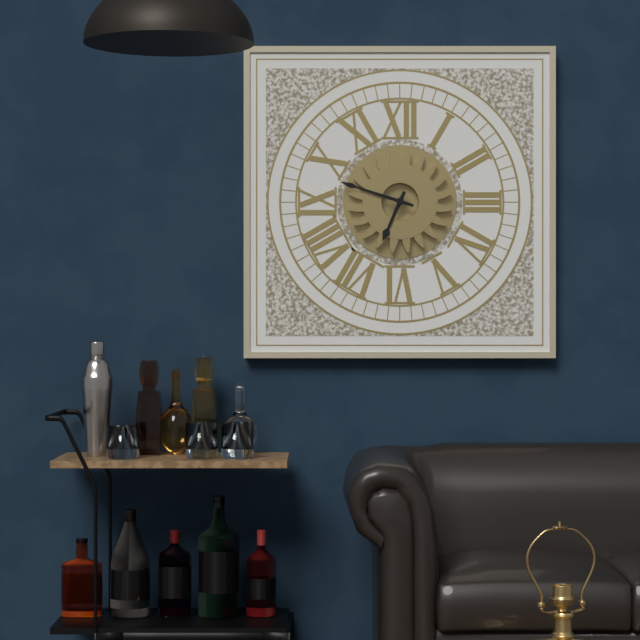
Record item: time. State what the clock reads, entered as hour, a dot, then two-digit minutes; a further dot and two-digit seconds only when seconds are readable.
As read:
6.48
